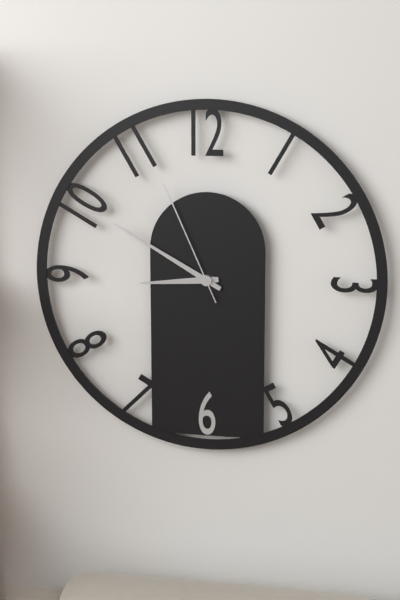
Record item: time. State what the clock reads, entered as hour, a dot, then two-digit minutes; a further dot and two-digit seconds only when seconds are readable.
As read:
8.50.56
